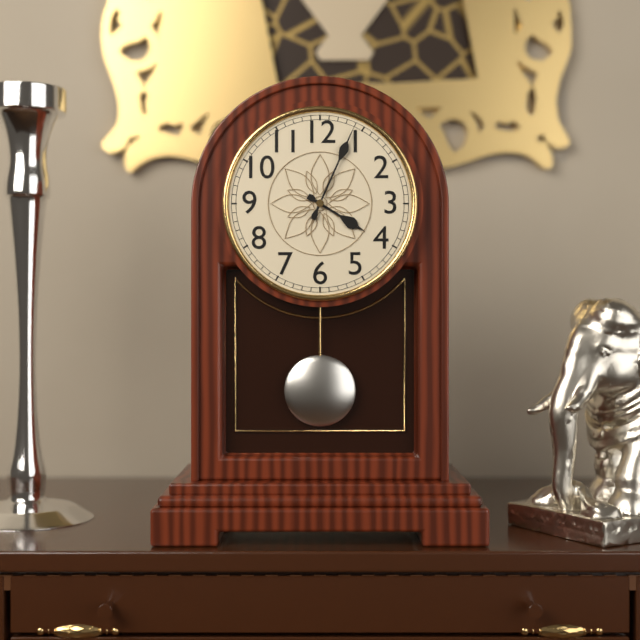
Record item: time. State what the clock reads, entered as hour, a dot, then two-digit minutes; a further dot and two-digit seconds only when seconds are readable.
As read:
4.04
